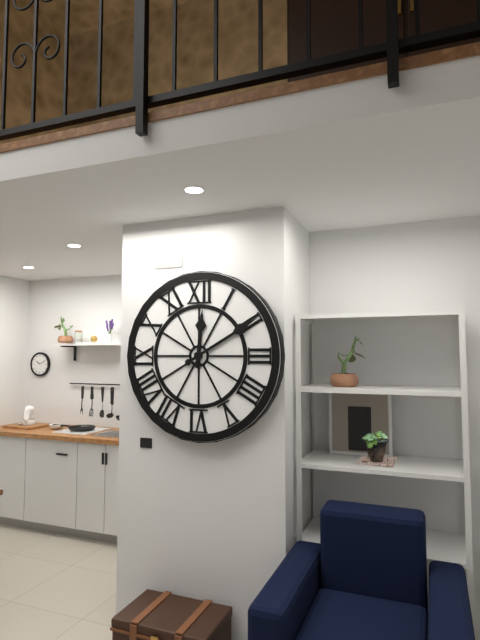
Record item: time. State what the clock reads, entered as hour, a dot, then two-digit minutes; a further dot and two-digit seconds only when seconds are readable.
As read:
12.10
